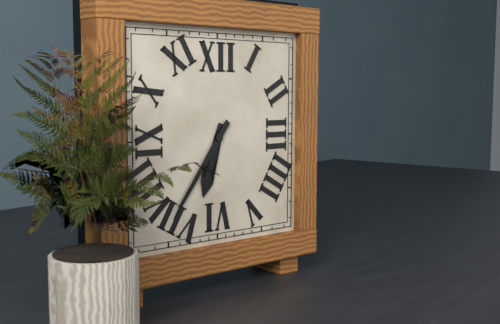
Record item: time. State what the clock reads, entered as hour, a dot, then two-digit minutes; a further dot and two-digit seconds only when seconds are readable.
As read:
6.36
